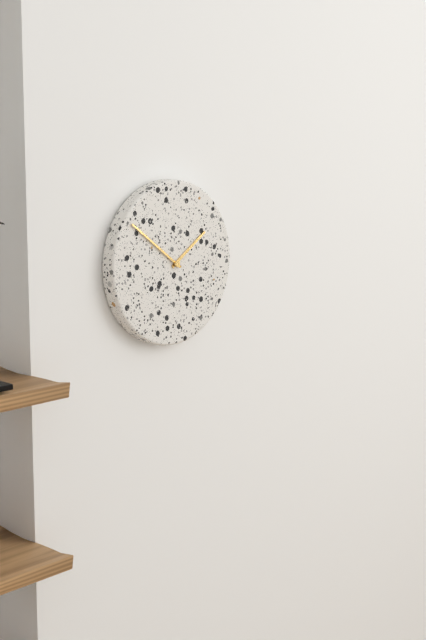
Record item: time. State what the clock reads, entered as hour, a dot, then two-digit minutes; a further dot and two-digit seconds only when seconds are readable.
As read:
1.51
